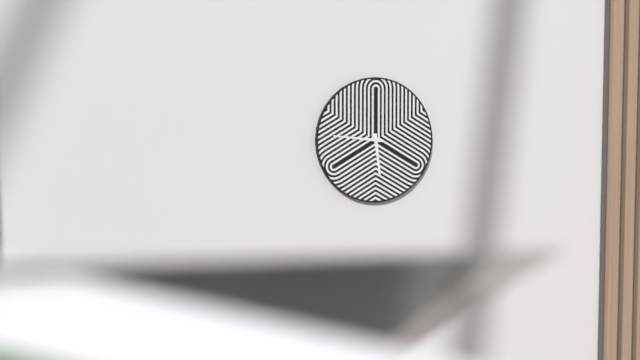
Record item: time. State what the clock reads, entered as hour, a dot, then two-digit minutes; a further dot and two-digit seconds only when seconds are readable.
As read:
5.46
